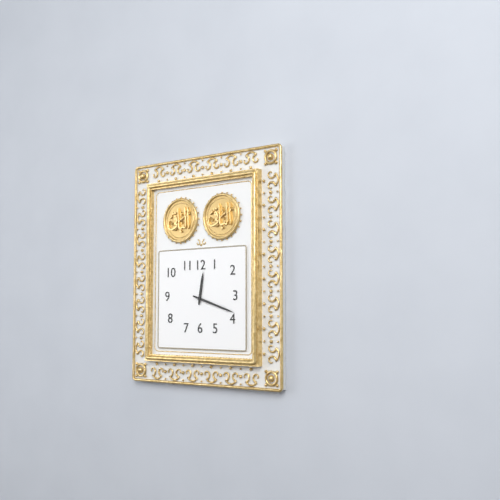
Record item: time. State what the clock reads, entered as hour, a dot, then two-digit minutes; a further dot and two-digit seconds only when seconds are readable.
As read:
12.18
